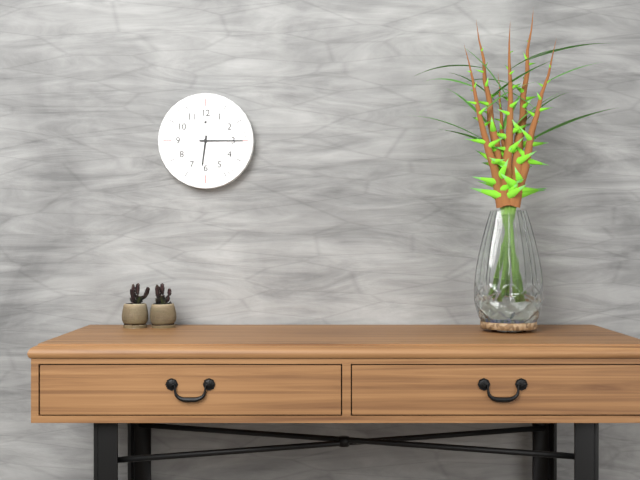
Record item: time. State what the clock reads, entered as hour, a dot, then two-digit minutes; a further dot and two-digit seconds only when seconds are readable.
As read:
6.15
